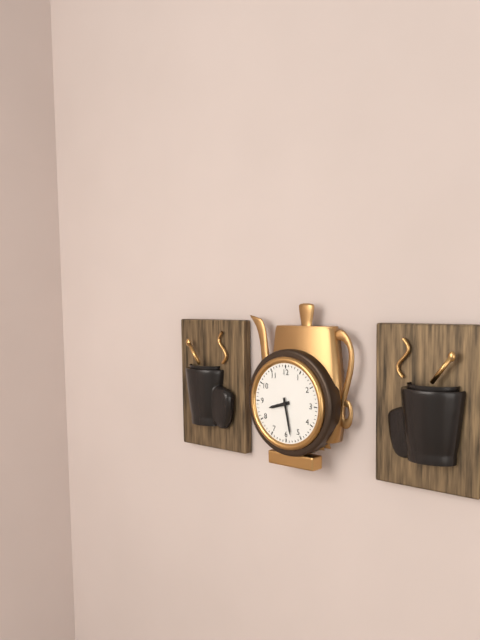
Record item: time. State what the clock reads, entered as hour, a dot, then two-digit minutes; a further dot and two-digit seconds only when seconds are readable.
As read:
8.28
